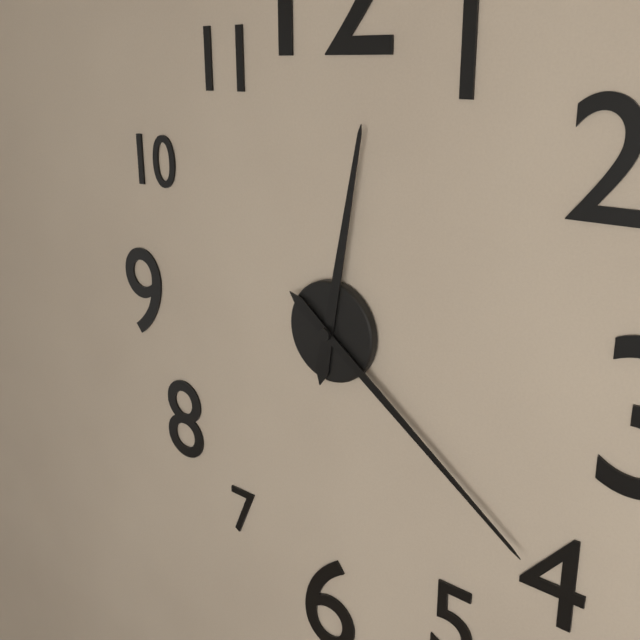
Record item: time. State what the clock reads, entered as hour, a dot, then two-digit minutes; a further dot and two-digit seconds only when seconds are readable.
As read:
12.21
